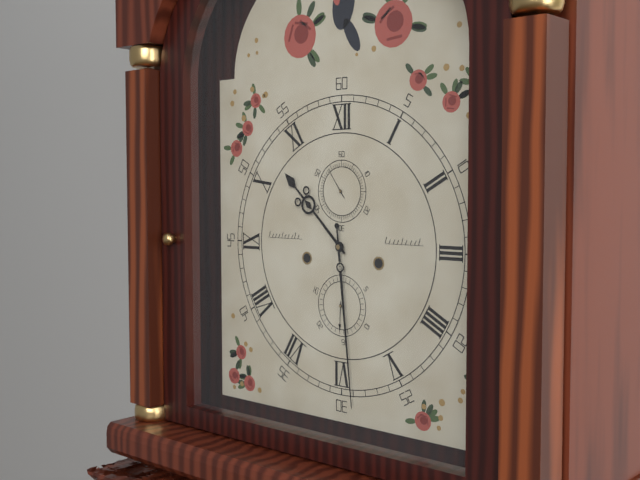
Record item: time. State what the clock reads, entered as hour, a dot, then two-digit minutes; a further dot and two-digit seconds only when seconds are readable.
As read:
10.29
